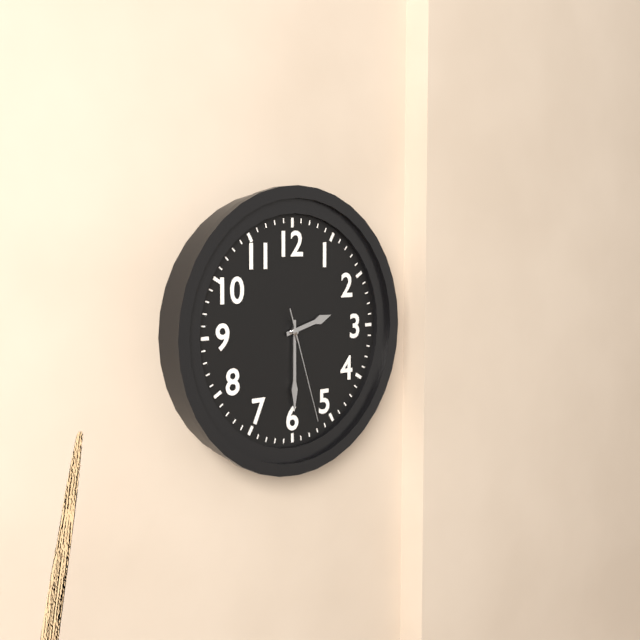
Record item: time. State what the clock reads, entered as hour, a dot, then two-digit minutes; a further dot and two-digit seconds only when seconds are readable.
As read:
2.30.27
